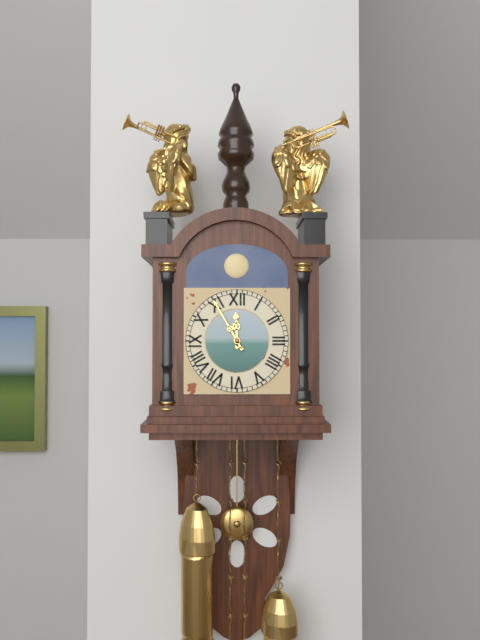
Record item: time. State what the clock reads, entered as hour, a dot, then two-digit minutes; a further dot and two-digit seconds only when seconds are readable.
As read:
11.55
